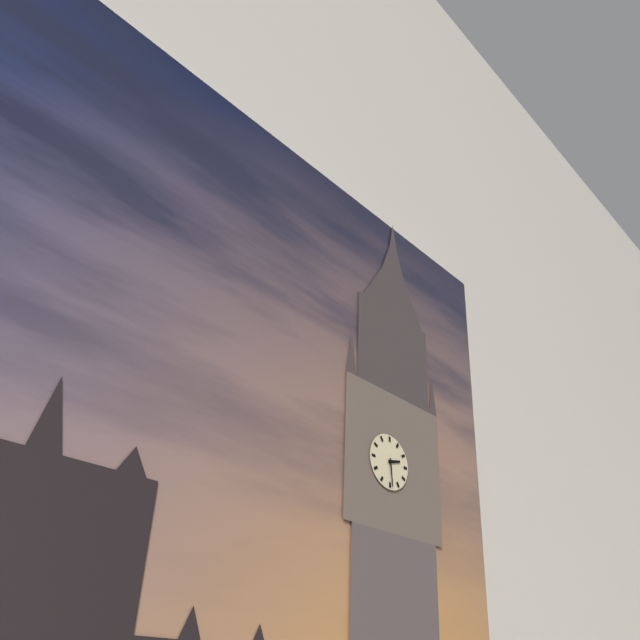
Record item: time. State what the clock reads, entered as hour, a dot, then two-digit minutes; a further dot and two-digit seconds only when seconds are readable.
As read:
2.29
